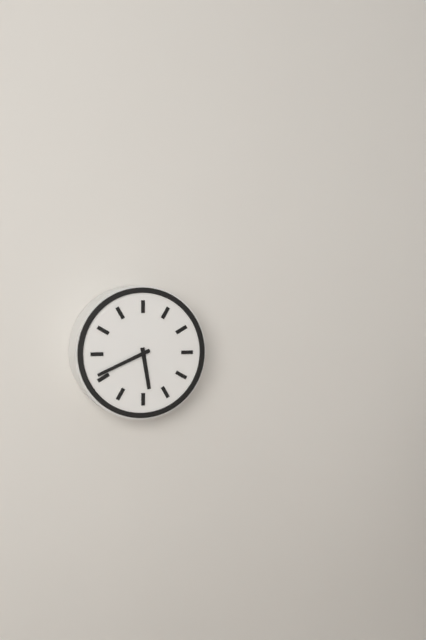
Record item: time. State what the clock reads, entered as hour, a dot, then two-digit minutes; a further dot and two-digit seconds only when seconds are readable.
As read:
5.41
